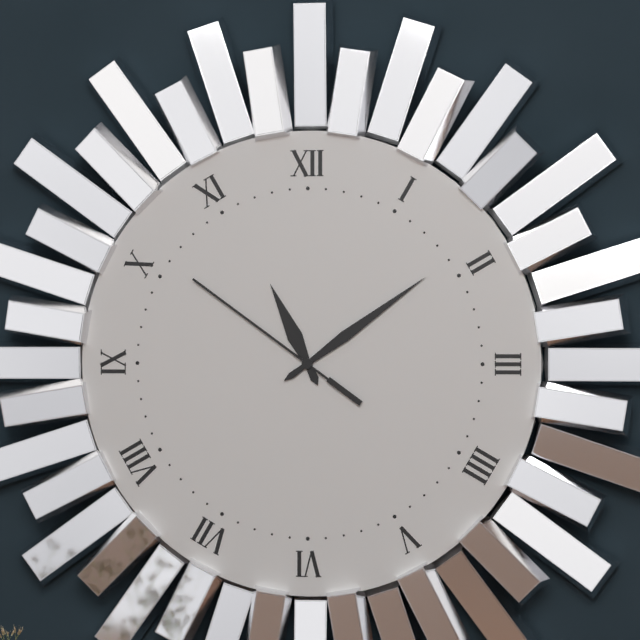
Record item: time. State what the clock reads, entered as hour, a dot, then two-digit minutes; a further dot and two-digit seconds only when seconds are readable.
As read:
11.09.51
